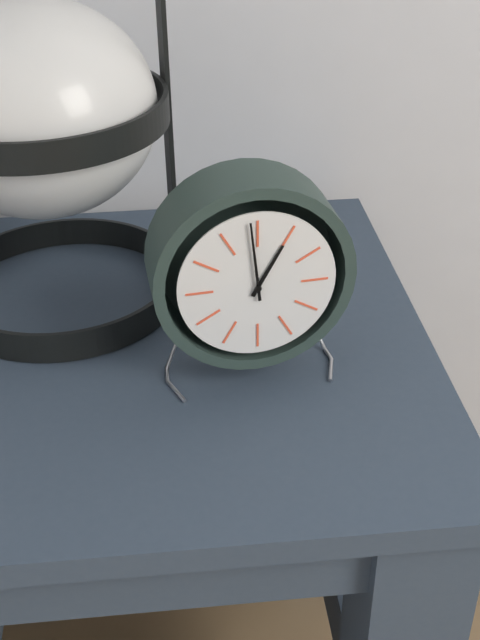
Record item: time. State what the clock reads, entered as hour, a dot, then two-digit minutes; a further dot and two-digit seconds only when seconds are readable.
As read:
12.59
